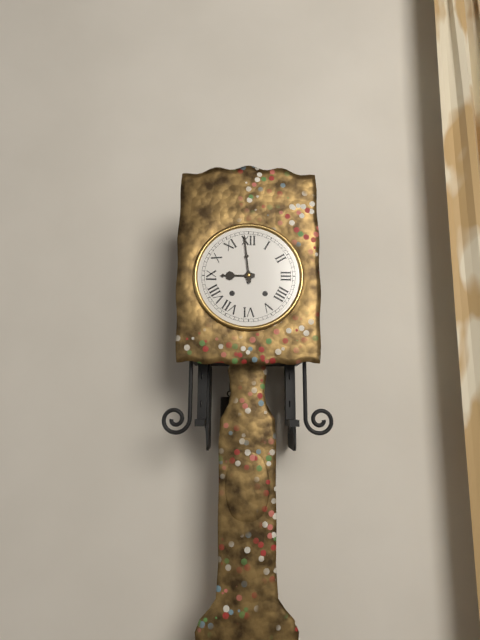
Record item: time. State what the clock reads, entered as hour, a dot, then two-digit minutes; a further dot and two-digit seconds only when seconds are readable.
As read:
8.59
